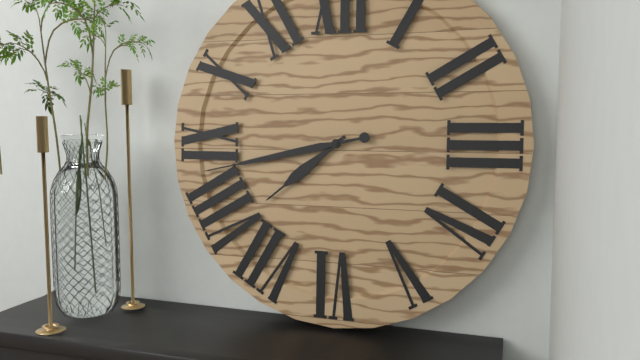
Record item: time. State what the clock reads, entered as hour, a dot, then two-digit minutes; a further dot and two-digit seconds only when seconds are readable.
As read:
7.43
